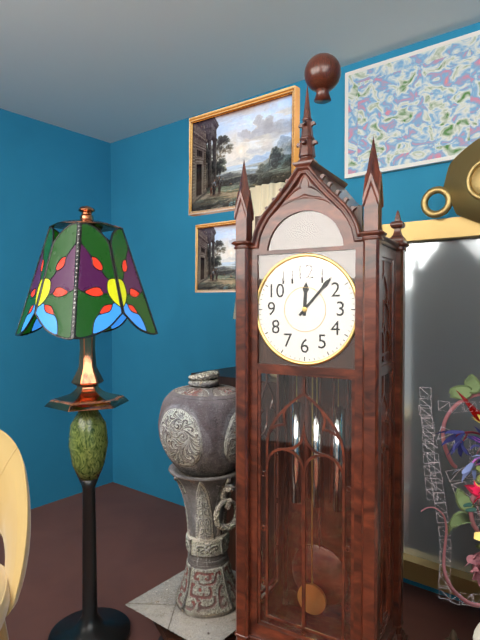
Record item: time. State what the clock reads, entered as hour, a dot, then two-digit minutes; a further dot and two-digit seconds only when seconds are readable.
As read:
12.07
